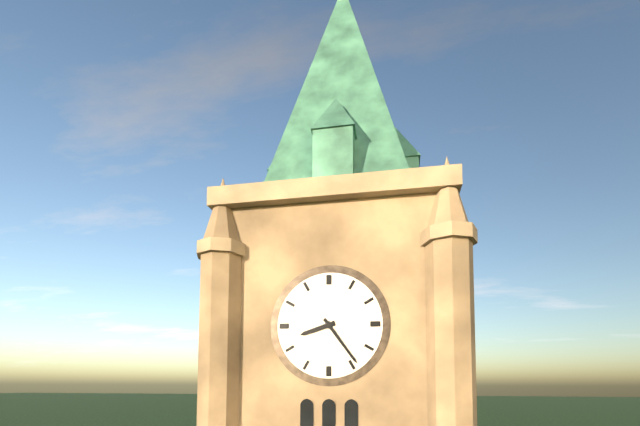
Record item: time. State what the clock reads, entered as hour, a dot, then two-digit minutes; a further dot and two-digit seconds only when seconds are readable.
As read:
8.24
